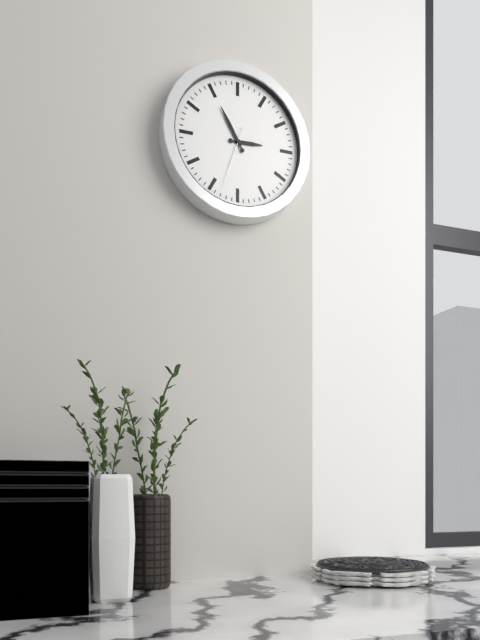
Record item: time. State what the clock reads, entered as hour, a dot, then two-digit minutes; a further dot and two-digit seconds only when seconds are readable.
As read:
2.55.33
